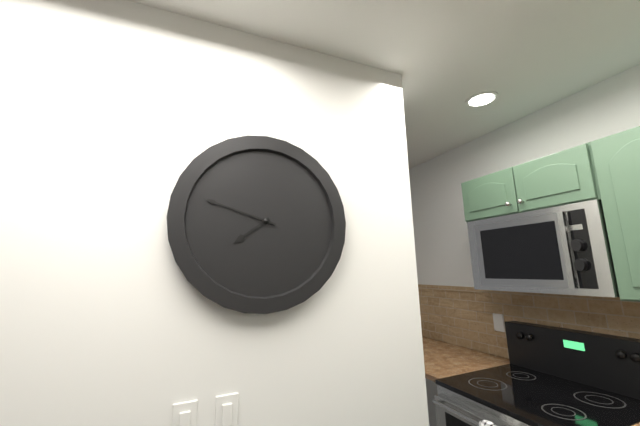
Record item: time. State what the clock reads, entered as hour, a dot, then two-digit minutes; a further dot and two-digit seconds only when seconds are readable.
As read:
7.48
